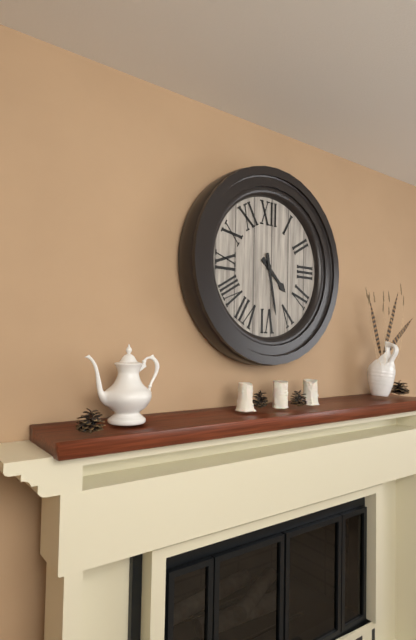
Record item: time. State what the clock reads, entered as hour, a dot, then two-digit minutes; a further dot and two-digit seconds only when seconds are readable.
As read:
4.28
